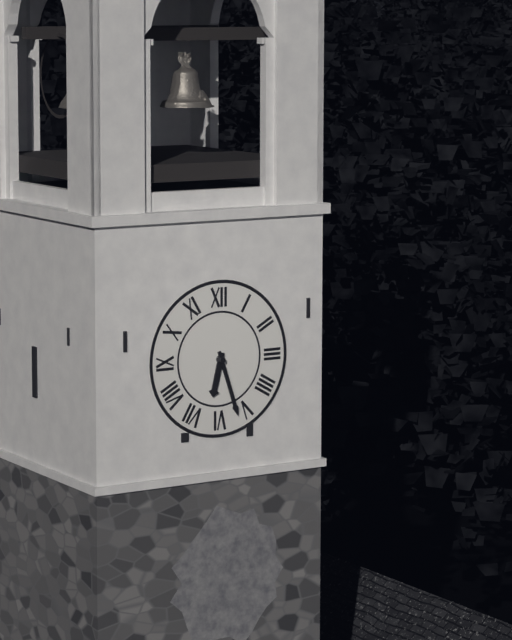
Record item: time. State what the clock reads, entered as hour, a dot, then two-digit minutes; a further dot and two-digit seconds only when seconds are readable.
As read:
6.27
